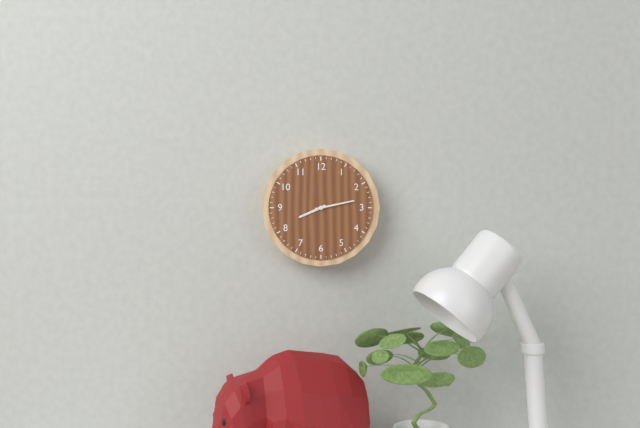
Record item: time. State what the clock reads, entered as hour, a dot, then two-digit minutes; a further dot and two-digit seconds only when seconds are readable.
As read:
8.13
